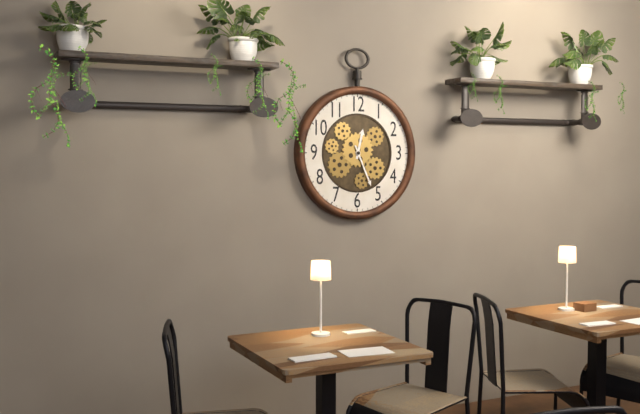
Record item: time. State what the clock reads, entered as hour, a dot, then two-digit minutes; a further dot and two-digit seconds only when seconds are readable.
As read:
12.26
